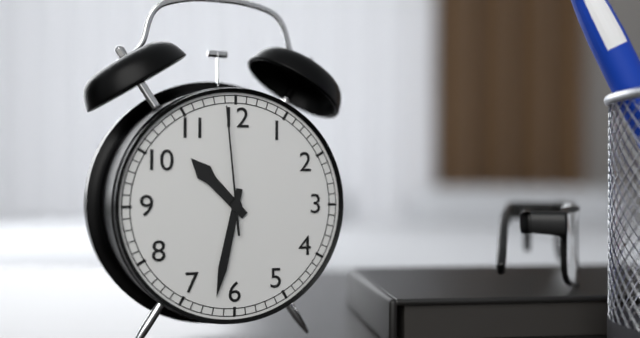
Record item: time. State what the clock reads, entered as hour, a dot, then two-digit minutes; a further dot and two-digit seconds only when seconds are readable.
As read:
10.32.59
